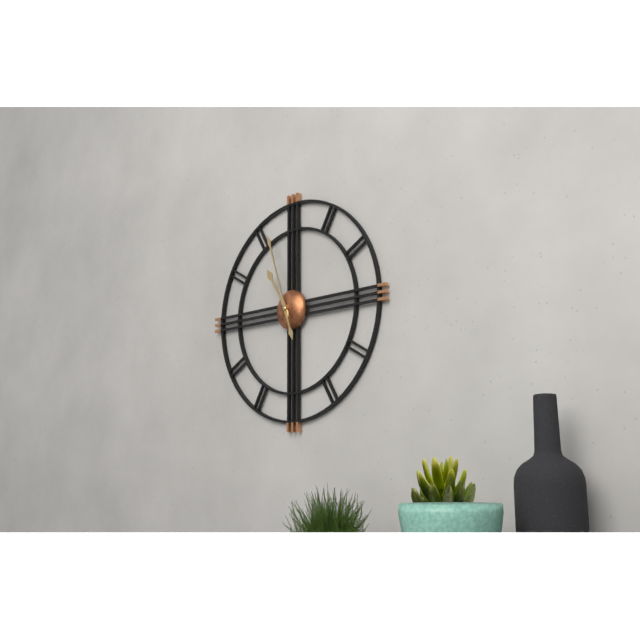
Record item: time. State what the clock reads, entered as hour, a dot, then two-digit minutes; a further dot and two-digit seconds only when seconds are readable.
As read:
10.57
